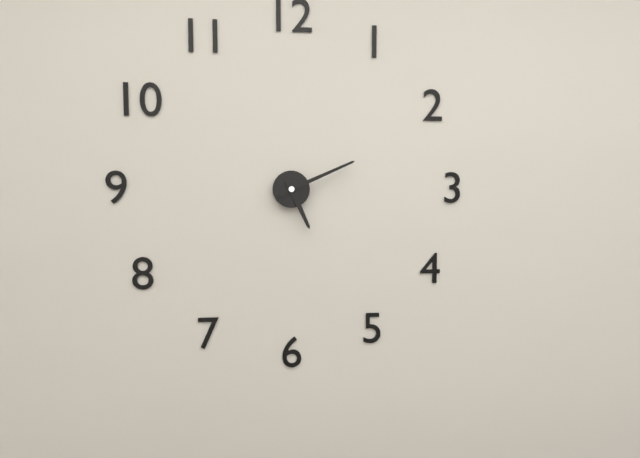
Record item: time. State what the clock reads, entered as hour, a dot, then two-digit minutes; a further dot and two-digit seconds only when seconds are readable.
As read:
5.11
